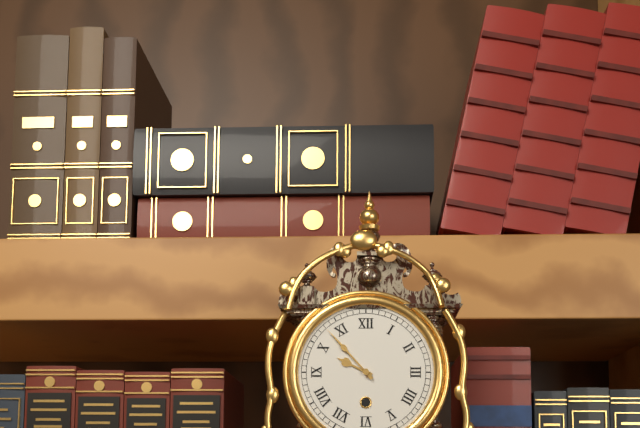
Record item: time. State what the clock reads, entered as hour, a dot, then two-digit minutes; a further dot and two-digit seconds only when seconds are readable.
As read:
9.53
